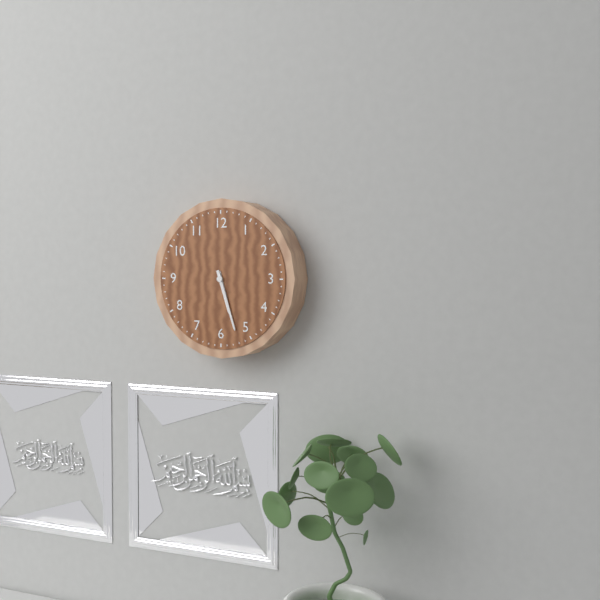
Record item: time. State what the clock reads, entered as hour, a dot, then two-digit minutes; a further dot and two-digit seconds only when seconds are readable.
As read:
5.27
